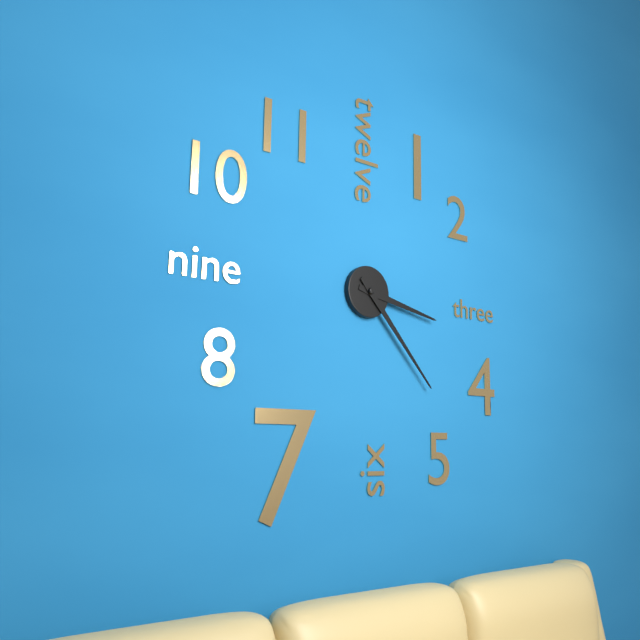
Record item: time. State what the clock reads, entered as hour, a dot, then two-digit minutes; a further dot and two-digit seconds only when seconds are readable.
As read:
3.23
